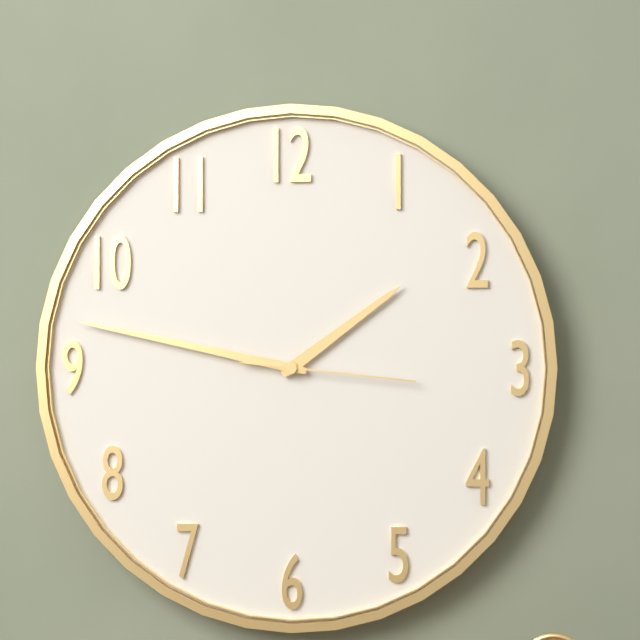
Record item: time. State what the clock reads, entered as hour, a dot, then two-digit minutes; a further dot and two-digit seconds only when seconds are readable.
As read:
1.47.16
